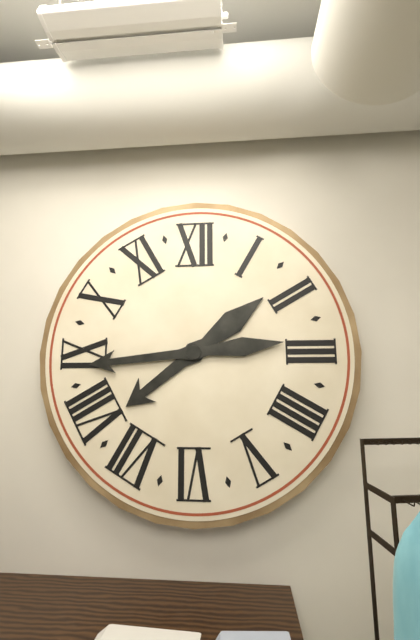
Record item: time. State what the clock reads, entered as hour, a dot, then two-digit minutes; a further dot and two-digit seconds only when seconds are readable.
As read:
7.44
